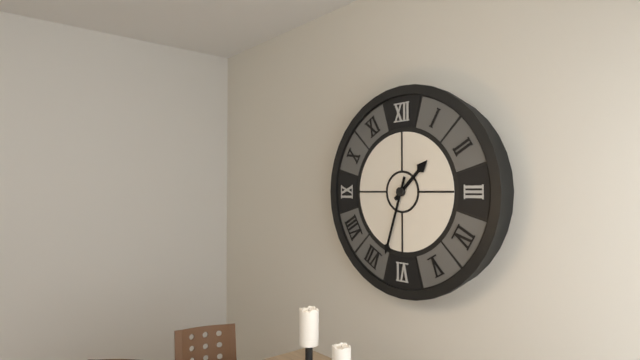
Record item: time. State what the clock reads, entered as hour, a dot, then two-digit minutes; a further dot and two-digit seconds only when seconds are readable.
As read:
1.33
